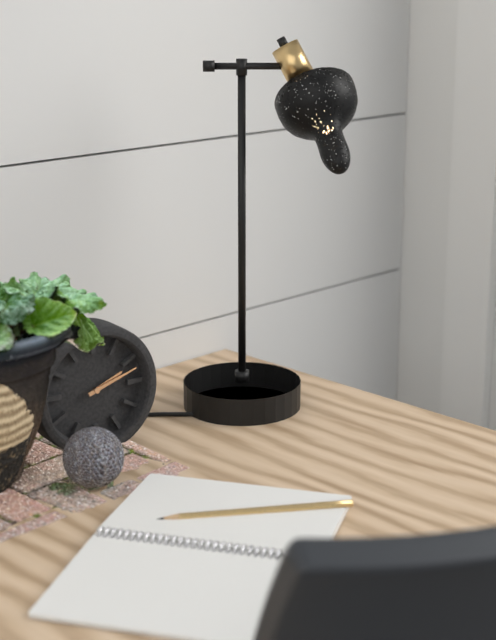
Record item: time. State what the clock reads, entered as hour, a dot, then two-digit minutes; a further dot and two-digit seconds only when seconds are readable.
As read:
2.12
